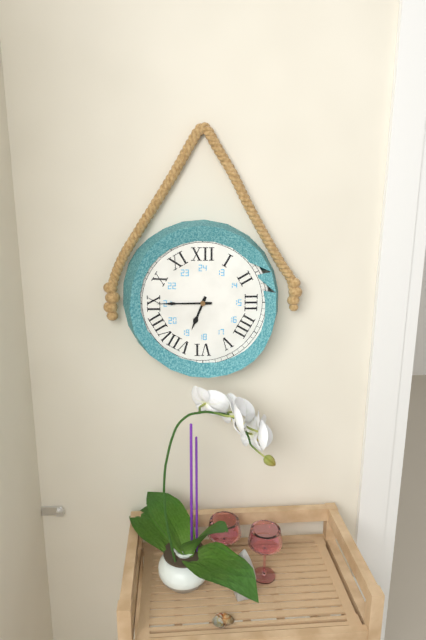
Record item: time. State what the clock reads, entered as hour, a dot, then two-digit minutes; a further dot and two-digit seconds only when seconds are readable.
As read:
6.45
